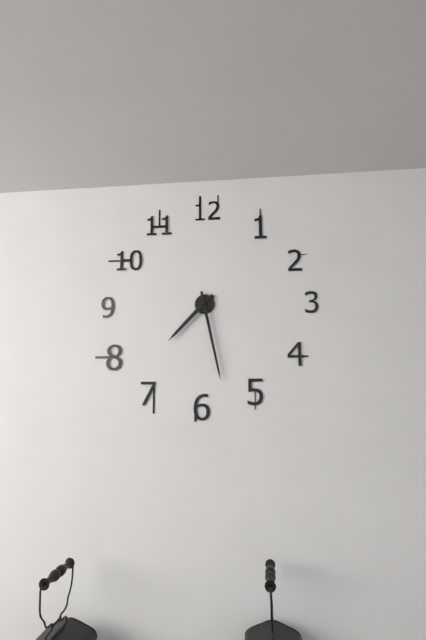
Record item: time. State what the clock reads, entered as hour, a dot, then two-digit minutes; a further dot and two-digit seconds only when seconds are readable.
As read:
7.28
